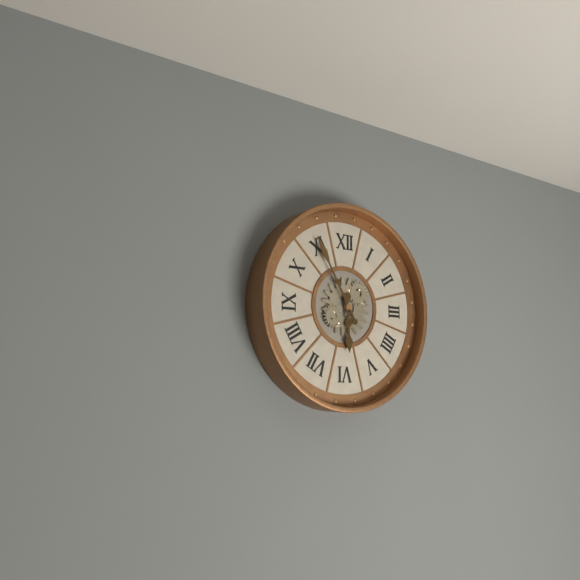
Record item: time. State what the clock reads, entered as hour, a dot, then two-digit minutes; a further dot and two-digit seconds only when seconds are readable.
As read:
5.55
